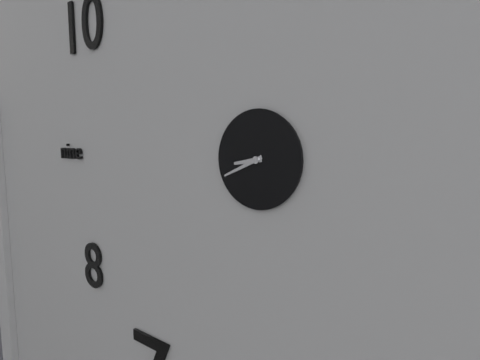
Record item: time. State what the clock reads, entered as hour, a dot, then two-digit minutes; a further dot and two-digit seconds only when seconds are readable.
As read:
8.41
